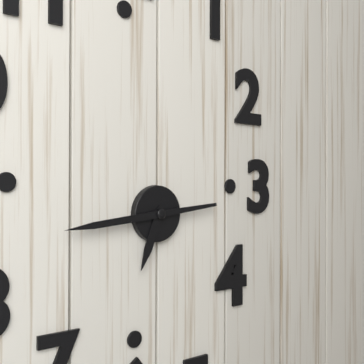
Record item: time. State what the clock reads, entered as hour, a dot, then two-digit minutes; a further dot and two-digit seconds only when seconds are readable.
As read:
6.44
